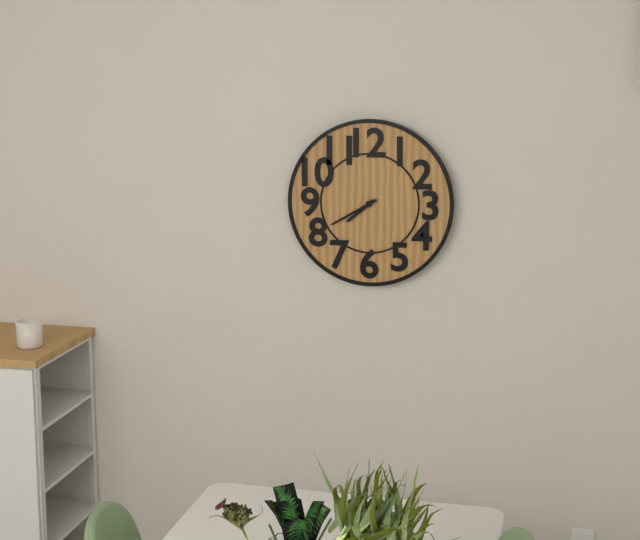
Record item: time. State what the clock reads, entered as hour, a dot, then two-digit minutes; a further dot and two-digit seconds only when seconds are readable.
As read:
7.40
